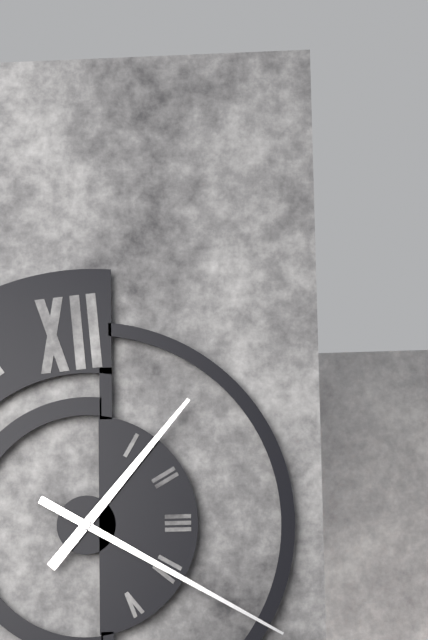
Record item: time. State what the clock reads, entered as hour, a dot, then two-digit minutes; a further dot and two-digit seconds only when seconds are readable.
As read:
1.20
